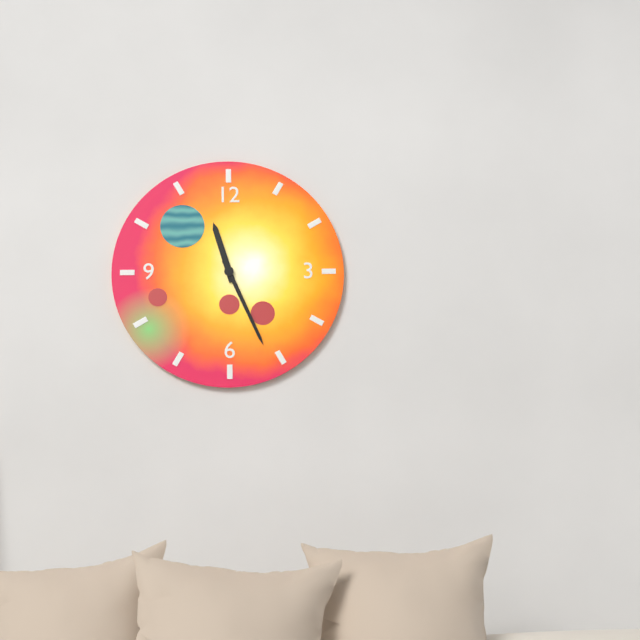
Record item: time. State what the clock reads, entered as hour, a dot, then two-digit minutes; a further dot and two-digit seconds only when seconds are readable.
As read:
11.26
